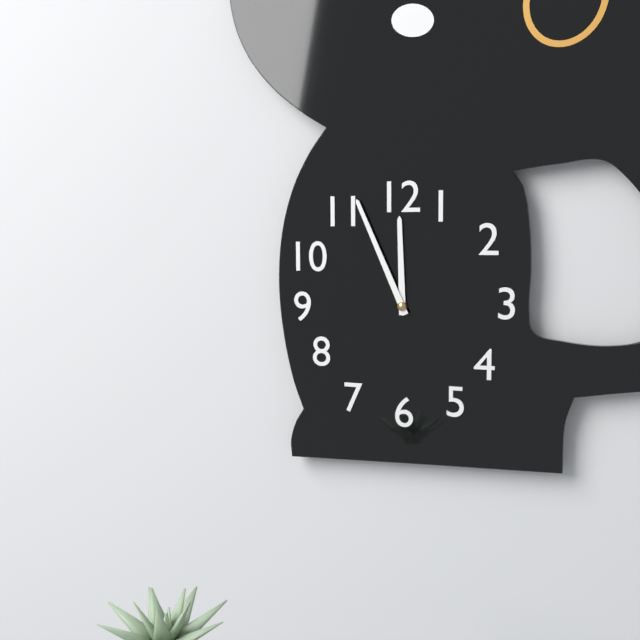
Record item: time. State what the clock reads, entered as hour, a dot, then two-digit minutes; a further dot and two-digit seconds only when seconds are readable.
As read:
11.56
